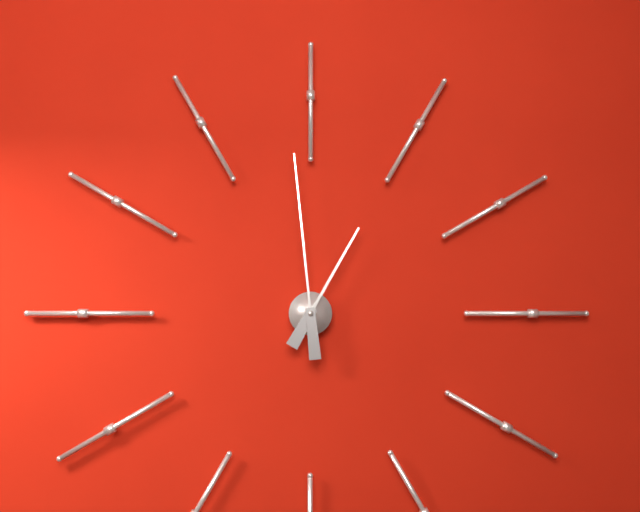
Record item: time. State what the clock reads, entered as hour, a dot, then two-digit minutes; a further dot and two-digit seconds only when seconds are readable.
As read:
12.59
